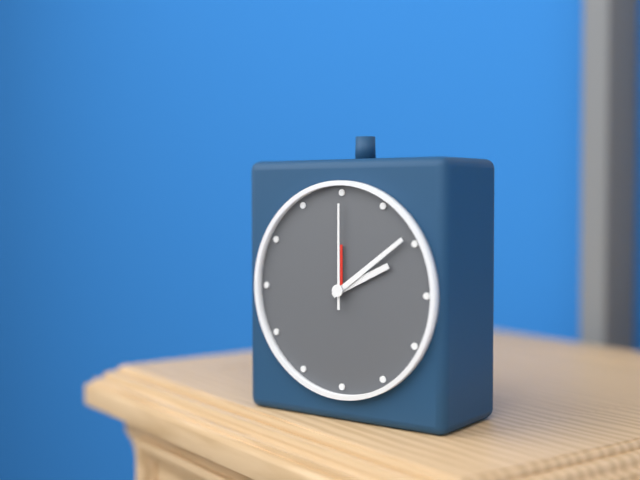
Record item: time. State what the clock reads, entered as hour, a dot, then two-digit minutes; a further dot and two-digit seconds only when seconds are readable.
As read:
2.09.00
